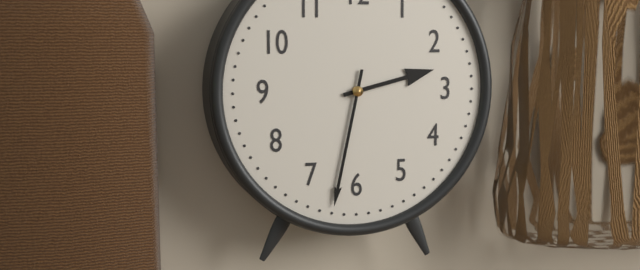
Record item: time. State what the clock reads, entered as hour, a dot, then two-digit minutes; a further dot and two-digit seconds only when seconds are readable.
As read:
2.32
